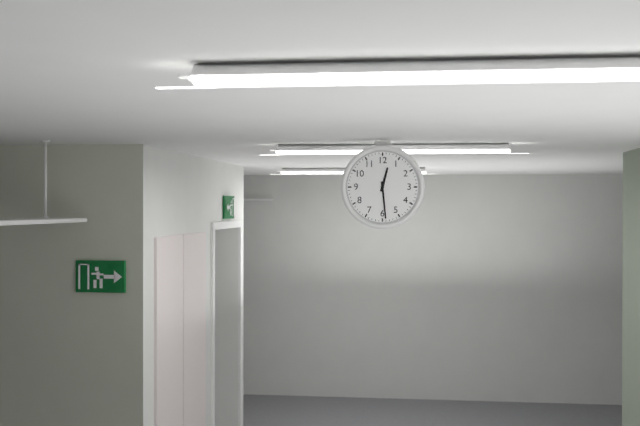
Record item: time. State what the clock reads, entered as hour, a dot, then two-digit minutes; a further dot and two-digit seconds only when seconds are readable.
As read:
12.29
